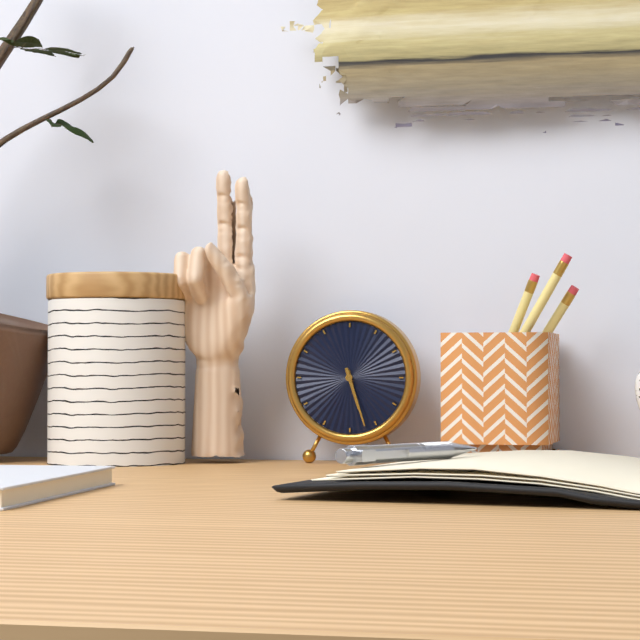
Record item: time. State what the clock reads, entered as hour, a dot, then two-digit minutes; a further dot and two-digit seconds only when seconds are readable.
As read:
5.27
